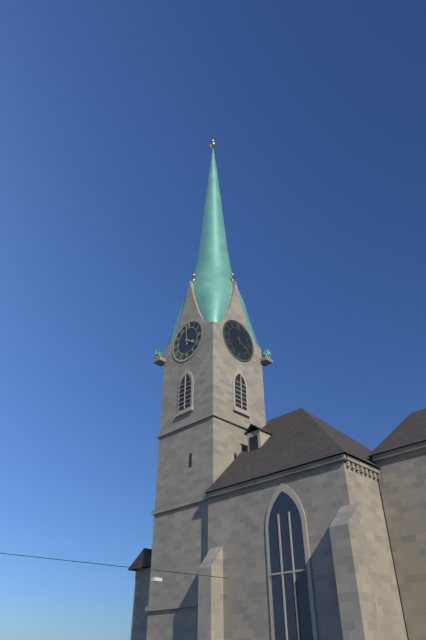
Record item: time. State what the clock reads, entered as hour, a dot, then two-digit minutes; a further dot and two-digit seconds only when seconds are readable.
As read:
3.59
